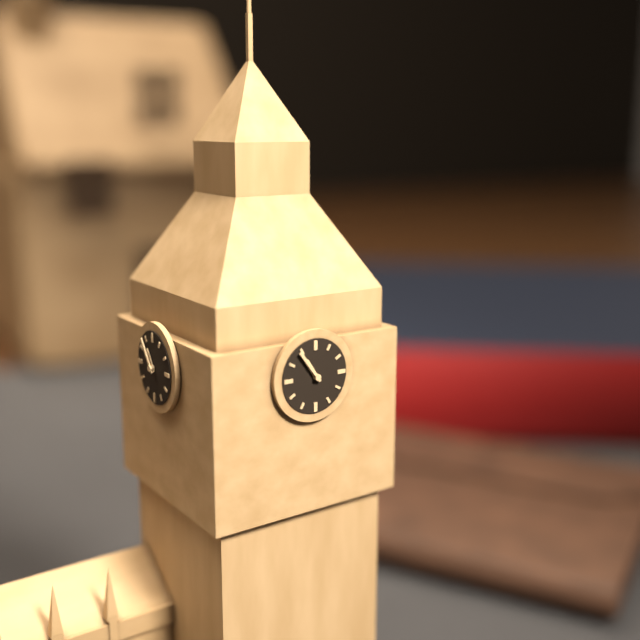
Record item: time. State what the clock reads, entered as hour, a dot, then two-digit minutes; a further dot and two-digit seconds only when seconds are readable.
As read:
10.54
